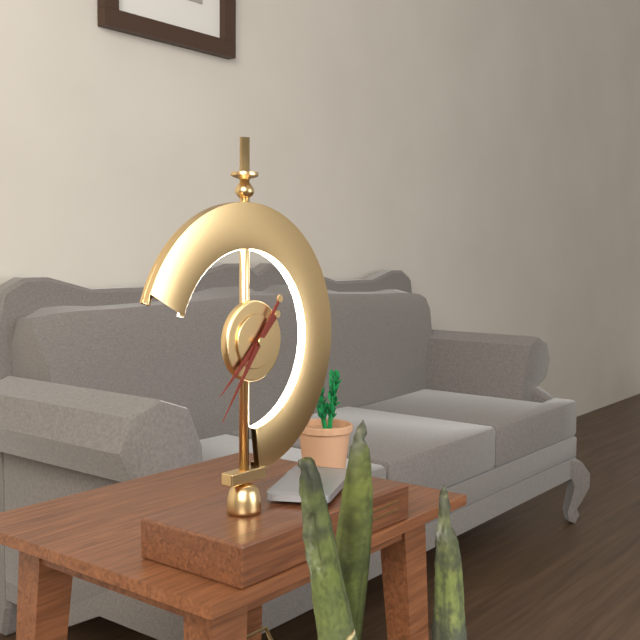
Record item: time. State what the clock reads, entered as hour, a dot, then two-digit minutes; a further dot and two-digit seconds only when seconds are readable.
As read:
7.36
